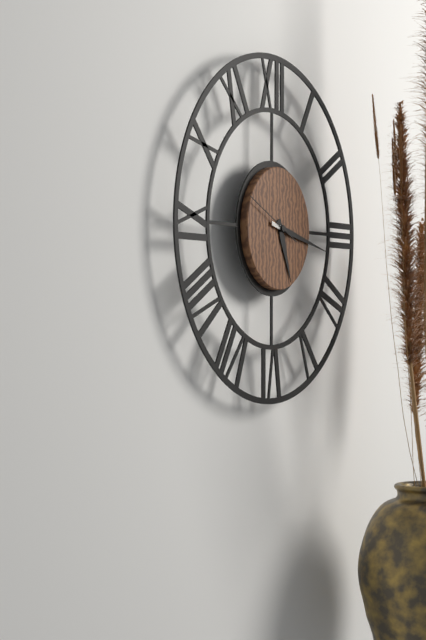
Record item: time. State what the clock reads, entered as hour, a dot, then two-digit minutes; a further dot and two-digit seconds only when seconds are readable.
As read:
5.17.49
